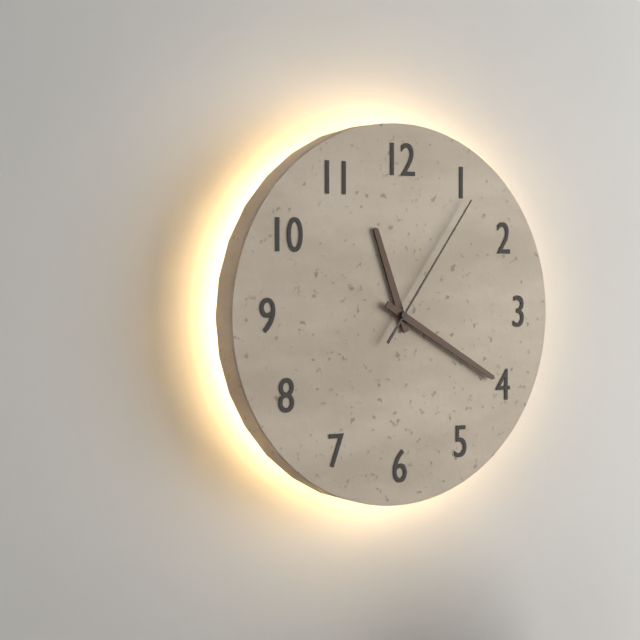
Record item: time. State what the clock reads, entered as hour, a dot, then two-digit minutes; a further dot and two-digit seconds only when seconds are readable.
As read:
11.20.06
